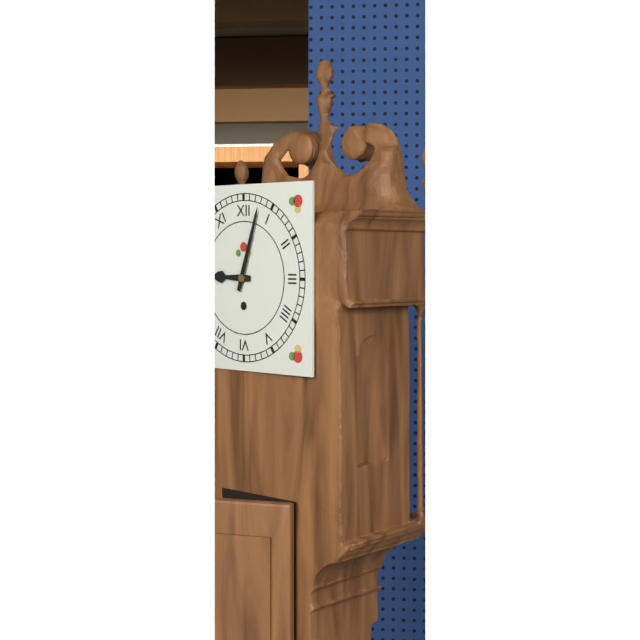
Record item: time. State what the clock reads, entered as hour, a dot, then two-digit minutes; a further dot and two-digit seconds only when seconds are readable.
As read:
9.03
